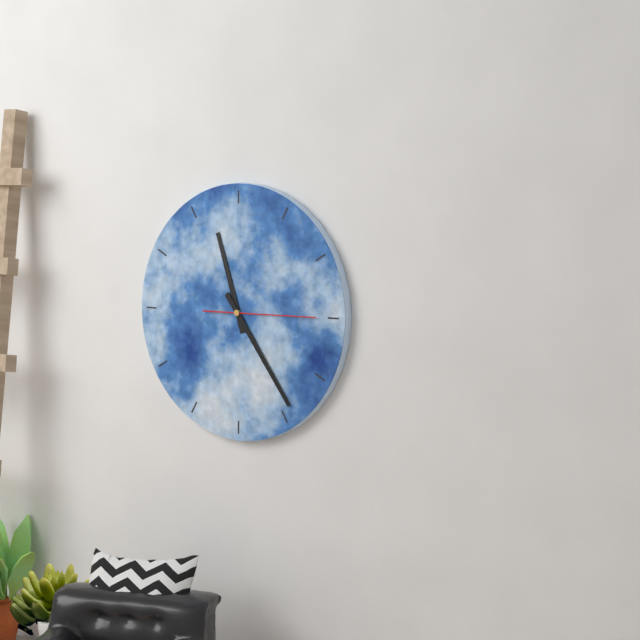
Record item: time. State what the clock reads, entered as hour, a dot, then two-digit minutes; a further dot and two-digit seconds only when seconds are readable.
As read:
11.24.15
